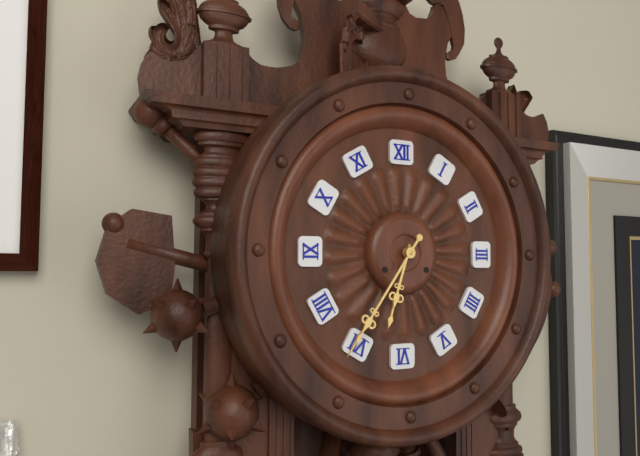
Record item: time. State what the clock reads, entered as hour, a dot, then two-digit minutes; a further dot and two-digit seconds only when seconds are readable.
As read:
6.36
